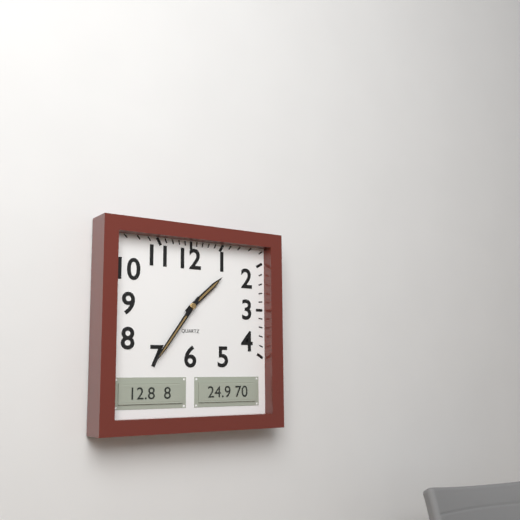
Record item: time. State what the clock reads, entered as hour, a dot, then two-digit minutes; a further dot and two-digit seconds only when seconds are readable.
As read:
1.36
